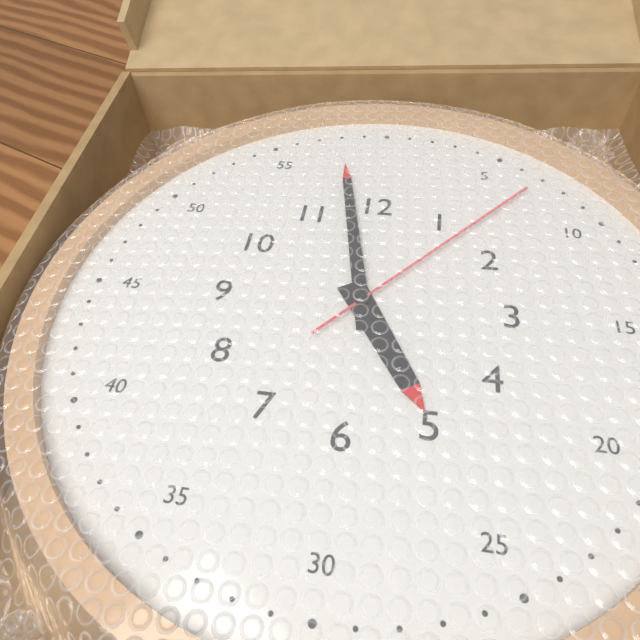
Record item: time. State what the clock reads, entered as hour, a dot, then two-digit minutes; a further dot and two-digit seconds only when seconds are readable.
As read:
4.58.07
